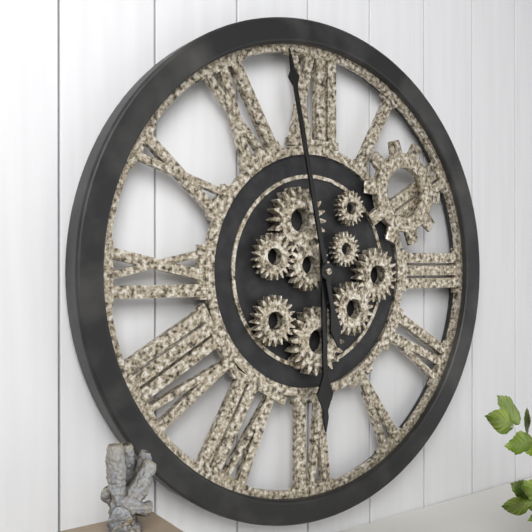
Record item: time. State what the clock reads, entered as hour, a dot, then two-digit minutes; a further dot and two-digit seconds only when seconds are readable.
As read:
5.58
